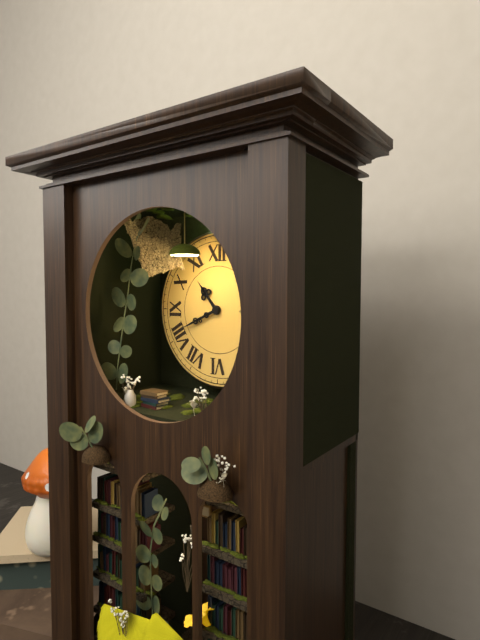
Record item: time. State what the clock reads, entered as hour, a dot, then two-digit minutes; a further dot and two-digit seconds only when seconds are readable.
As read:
10.41
